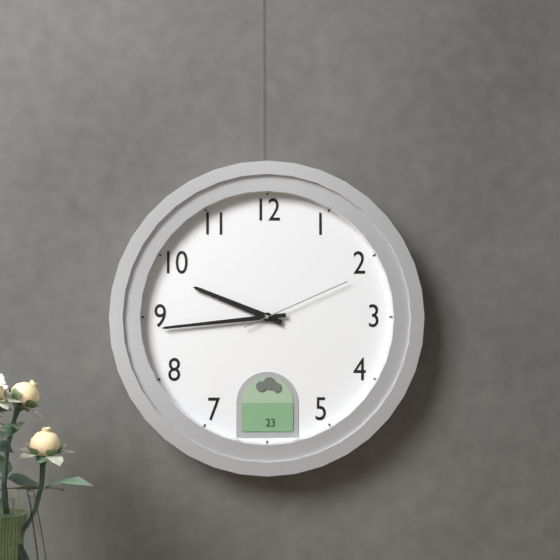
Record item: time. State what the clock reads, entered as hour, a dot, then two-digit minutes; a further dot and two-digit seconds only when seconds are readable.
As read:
9.44.11
